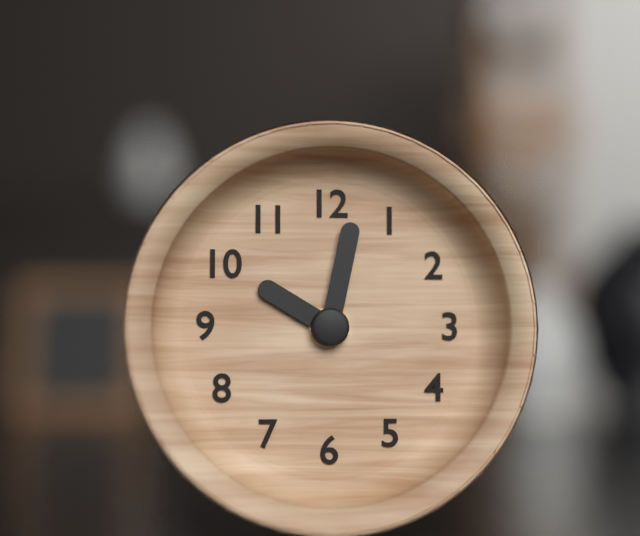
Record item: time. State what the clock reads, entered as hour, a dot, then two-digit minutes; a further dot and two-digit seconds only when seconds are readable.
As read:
10.02
